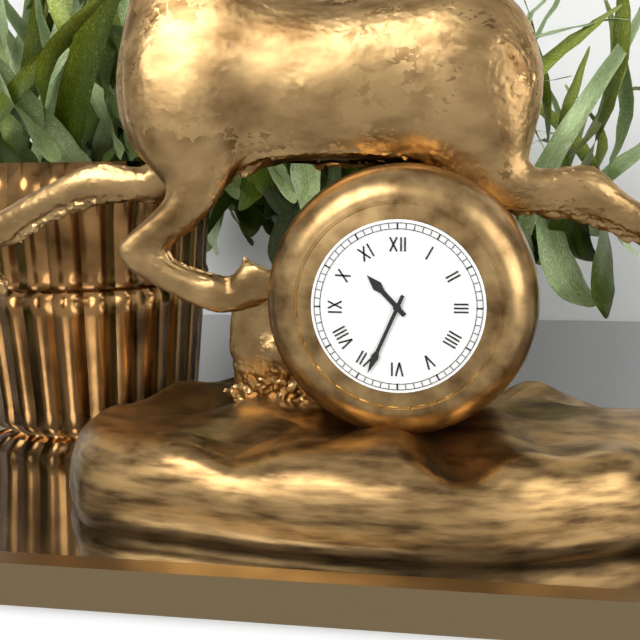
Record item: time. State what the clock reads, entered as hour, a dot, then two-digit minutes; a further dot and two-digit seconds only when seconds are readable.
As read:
10.34
